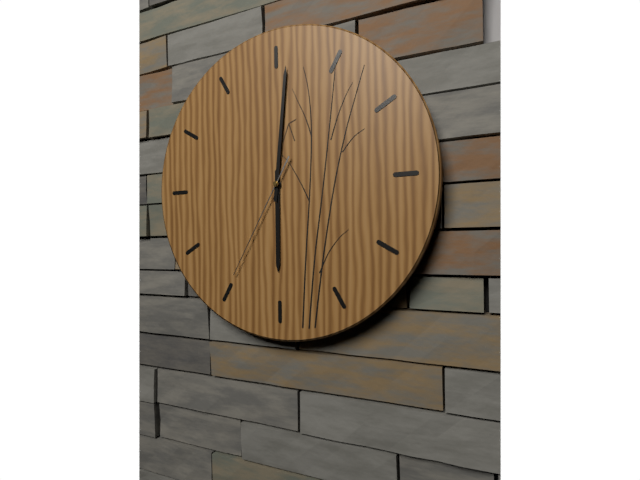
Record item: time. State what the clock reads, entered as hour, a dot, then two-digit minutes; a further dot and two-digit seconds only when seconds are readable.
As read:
6.01.35
